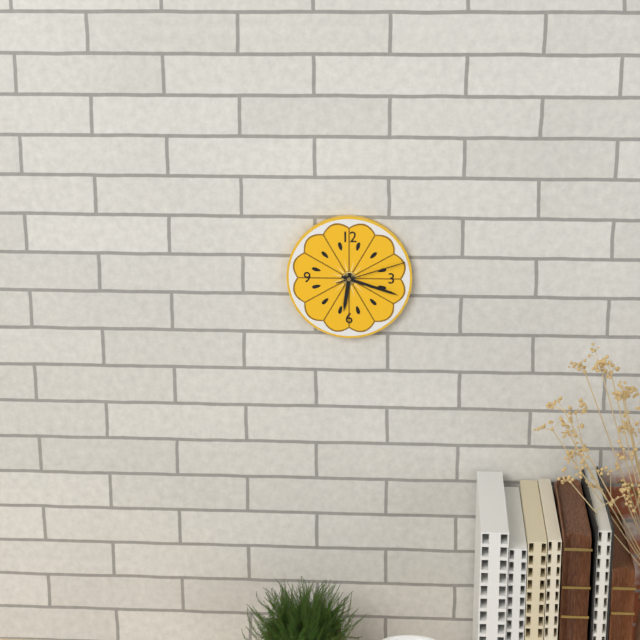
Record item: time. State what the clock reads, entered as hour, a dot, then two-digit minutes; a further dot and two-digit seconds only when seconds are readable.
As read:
6.18.12
